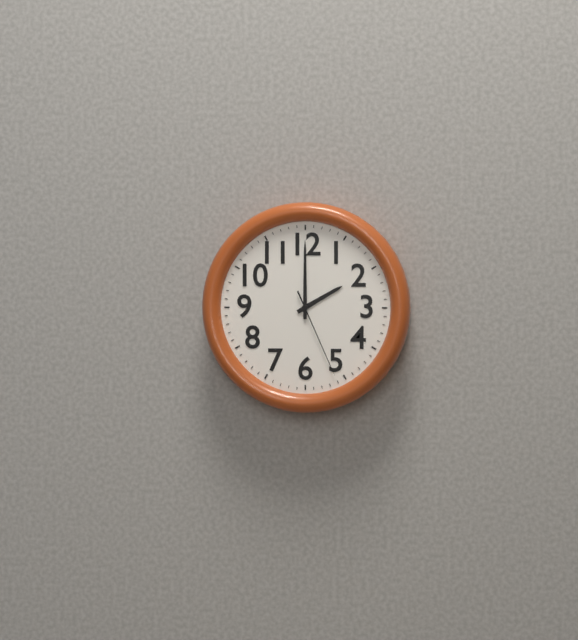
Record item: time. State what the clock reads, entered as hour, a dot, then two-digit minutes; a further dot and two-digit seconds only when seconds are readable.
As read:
2.00.26
